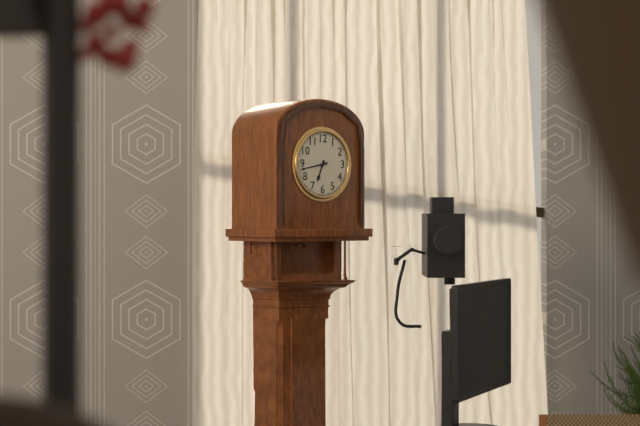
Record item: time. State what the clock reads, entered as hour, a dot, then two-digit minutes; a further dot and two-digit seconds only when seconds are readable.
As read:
6.43
